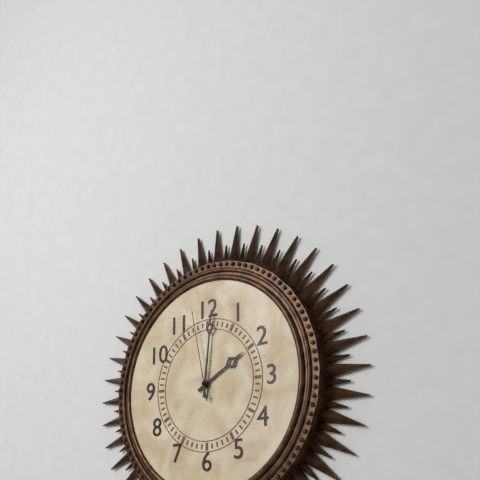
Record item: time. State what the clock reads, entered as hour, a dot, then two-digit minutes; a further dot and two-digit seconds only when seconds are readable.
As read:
2.01.58
